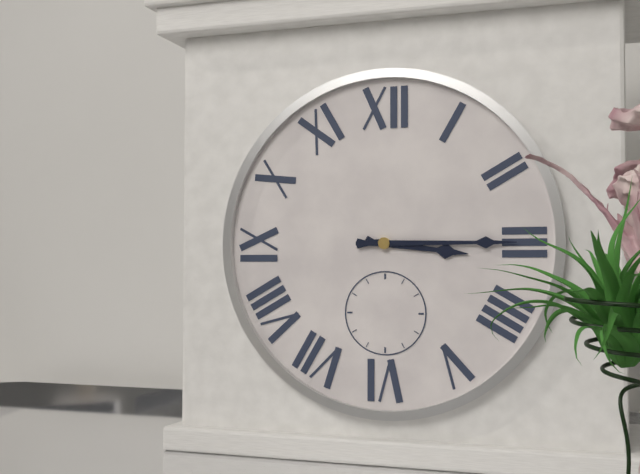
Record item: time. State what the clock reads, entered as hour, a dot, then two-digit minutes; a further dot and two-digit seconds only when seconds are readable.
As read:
3.15
